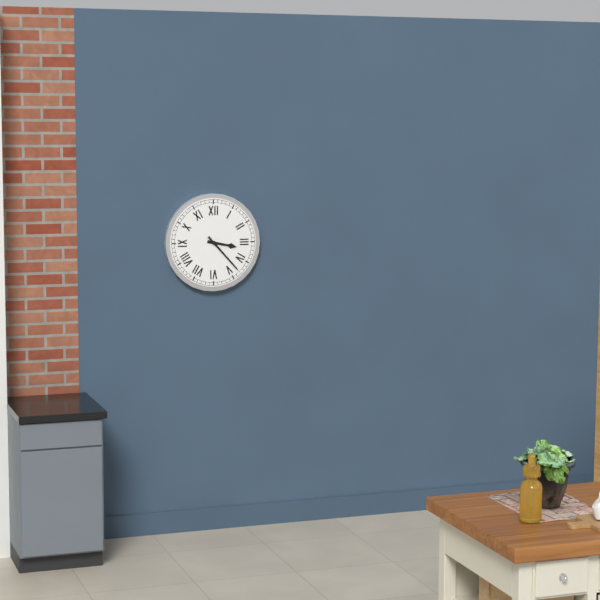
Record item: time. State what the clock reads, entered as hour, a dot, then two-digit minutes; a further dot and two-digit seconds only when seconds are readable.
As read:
3.23
